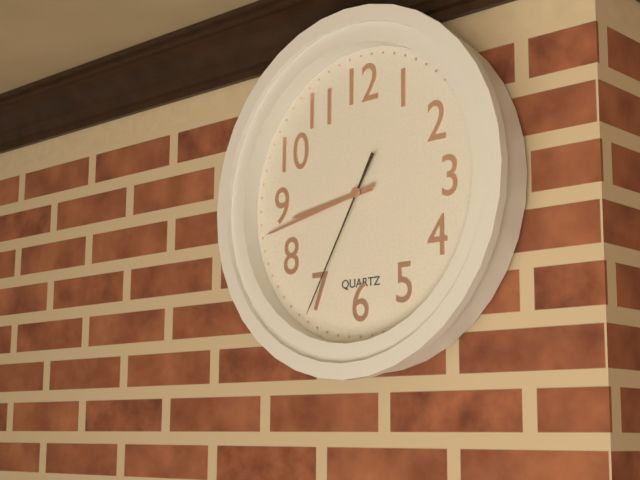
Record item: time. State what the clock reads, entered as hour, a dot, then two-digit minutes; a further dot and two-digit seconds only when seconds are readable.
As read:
8.43.35
